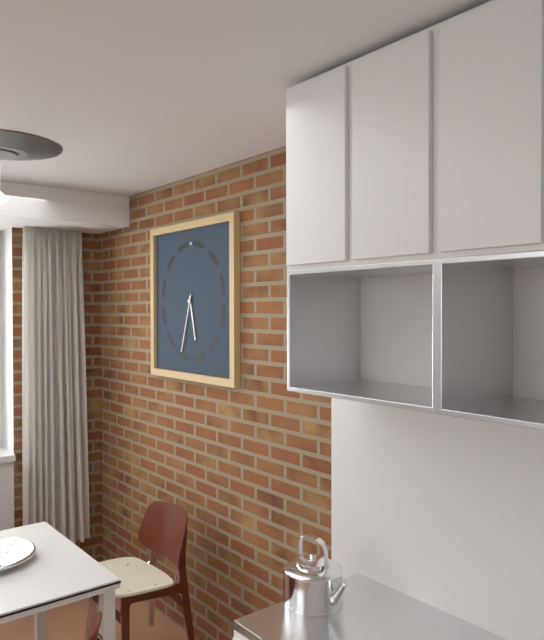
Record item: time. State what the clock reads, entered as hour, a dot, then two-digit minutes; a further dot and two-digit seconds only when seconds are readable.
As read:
5.33
